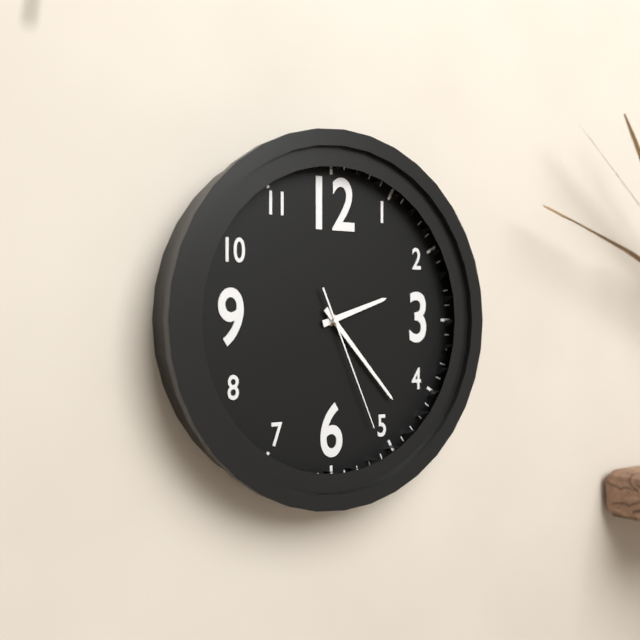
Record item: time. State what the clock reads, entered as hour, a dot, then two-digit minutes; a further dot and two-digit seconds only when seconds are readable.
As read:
2.23.26
